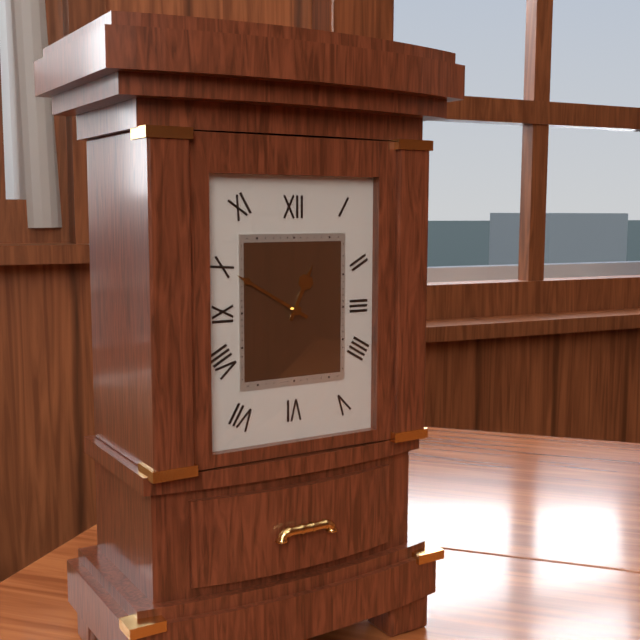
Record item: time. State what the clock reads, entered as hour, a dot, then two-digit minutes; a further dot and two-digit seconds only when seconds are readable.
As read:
12.50
